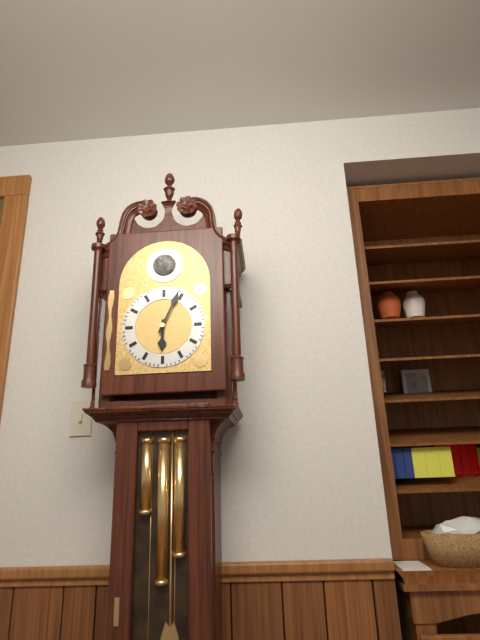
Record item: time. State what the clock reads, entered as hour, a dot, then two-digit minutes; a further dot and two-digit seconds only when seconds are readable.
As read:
6.04
